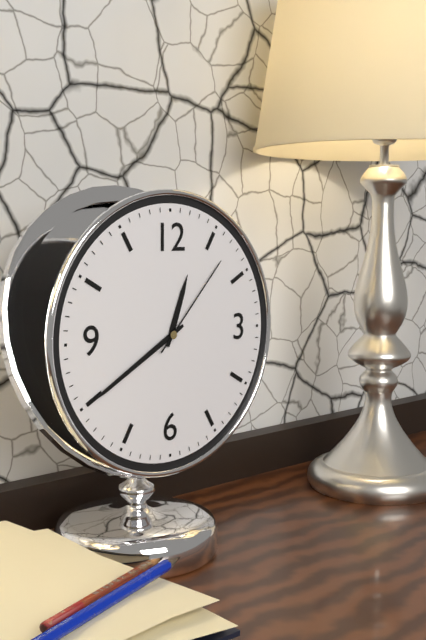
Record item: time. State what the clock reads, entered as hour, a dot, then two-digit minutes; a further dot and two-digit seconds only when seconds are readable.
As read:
12.40.07
